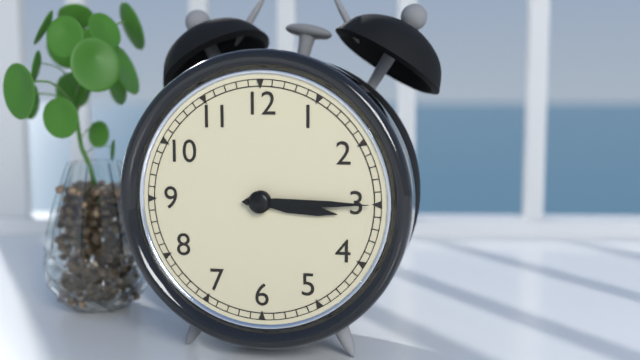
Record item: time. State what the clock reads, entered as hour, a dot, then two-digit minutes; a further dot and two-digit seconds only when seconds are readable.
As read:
3.15
